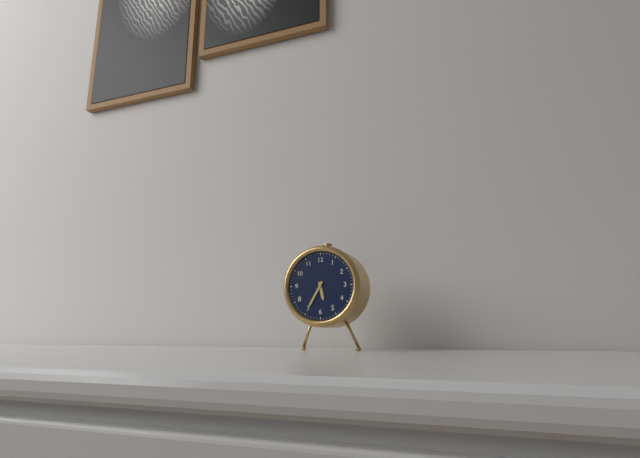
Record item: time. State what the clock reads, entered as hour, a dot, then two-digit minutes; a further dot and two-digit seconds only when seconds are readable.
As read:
5.35
